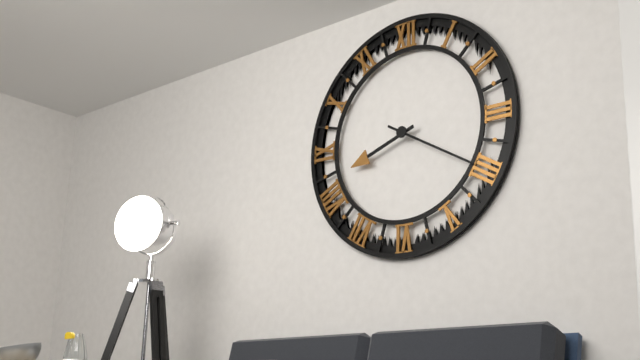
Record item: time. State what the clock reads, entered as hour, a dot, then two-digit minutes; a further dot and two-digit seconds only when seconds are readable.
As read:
8.20
